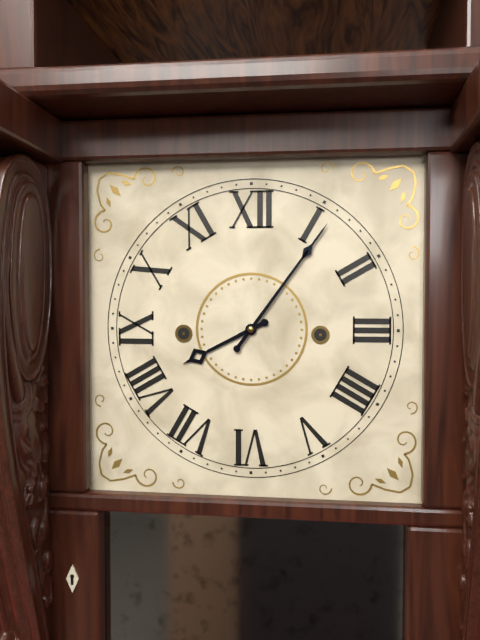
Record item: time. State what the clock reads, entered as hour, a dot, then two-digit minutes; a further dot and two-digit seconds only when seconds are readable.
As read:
8.06
